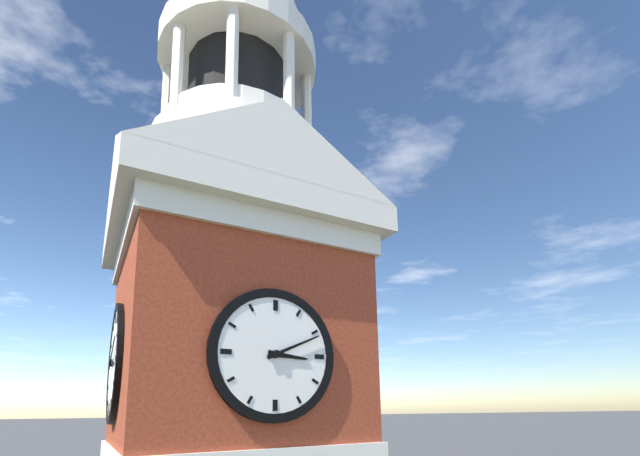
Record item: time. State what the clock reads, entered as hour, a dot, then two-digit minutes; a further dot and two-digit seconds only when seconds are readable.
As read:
3.11
